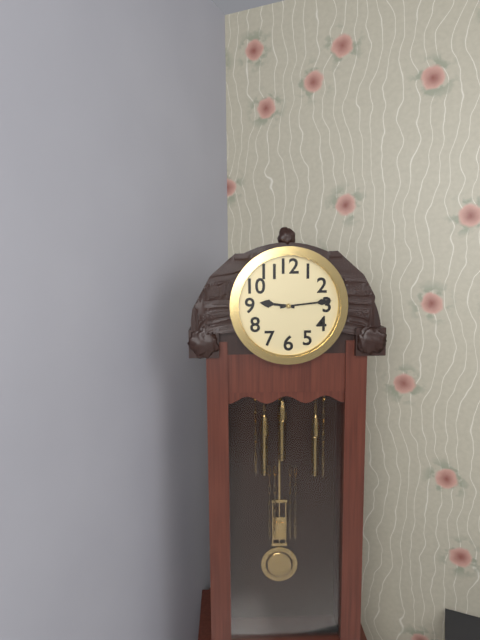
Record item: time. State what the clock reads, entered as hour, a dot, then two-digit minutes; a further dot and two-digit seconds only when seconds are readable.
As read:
9.14
